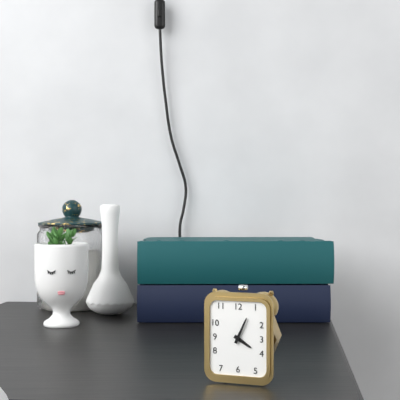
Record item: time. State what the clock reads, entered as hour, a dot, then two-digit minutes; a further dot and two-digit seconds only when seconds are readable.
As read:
4.04
